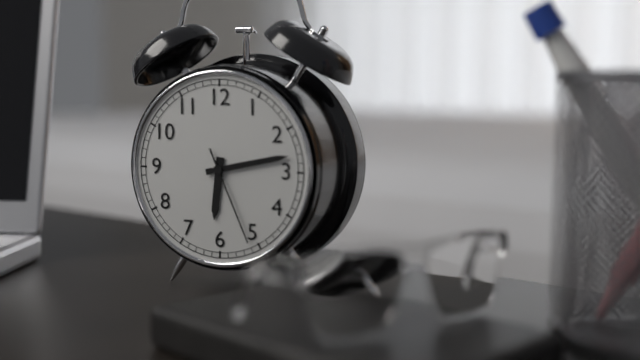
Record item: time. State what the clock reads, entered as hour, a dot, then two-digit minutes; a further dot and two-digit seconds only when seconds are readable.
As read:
6.13.26
